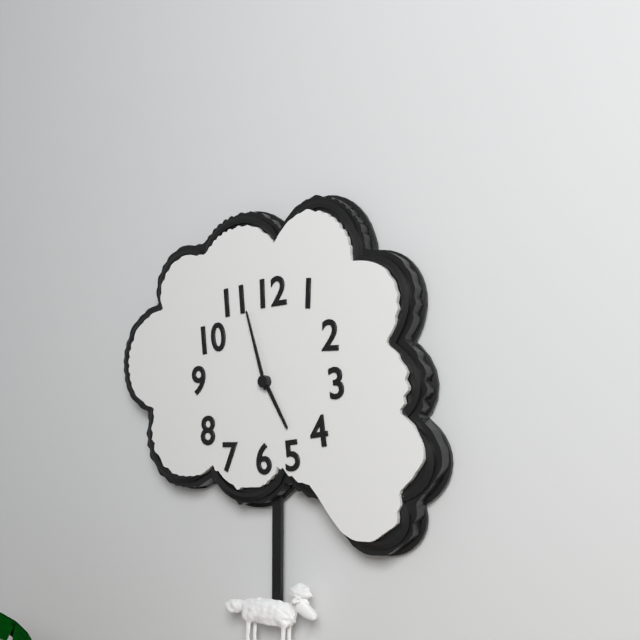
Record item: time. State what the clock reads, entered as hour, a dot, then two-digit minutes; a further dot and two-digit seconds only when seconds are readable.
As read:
4.57
